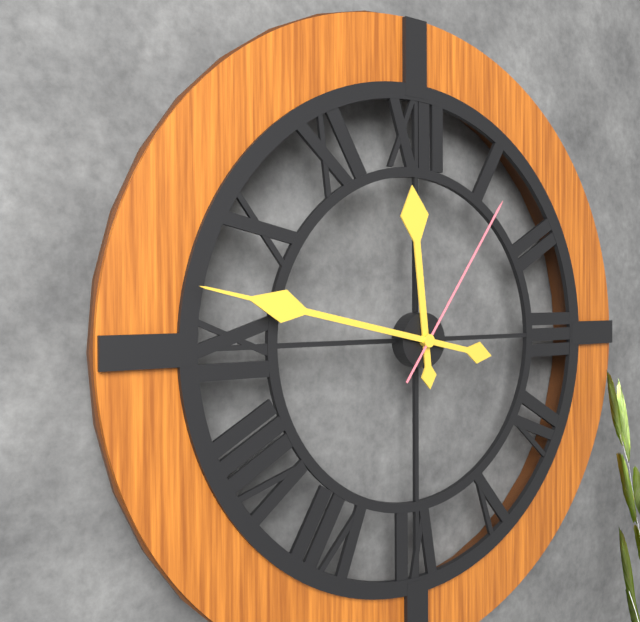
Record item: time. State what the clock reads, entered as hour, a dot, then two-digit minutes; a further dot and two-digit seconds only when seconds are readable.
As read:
11.47.06
